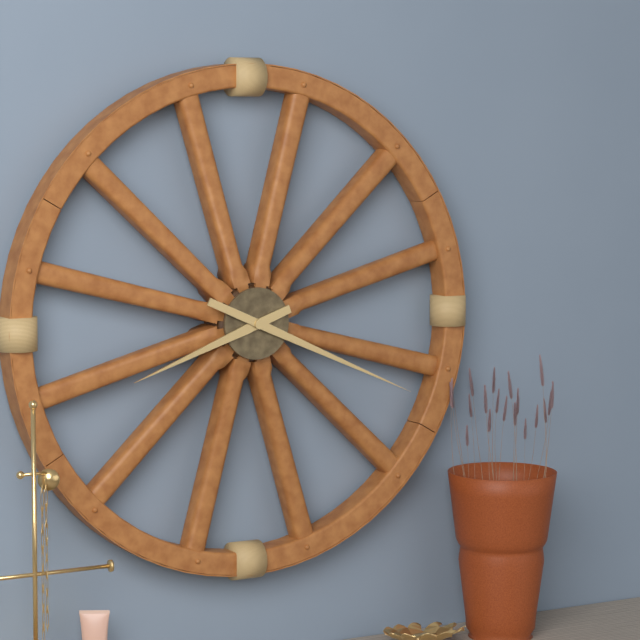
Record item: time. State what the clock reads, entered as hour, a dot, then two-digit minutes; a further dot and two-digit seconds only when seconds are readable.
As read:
8.19
